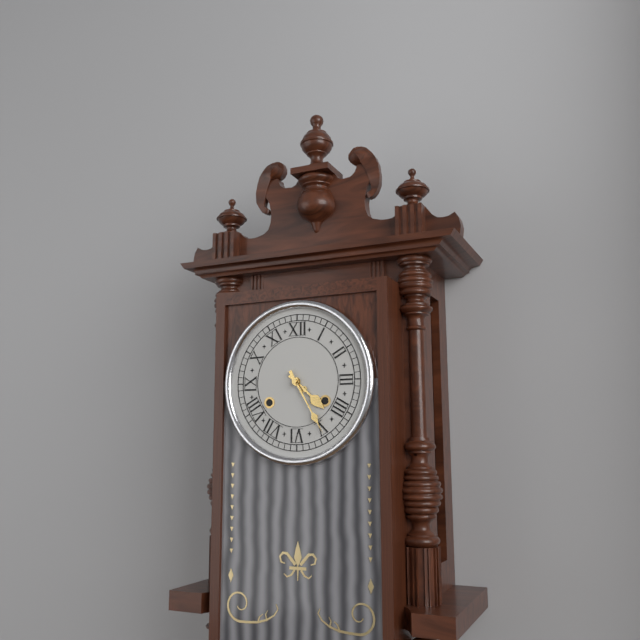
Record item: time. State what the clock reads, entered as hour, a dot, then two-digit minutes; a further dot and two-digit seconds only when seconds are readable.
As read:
4.25
